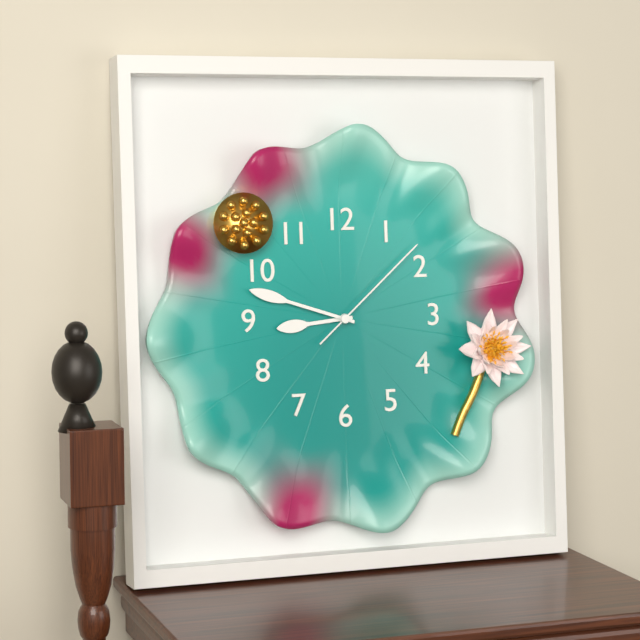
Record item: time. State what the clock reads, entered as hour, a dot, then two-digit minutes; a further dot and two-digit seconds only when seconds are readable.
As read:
8.48.08
